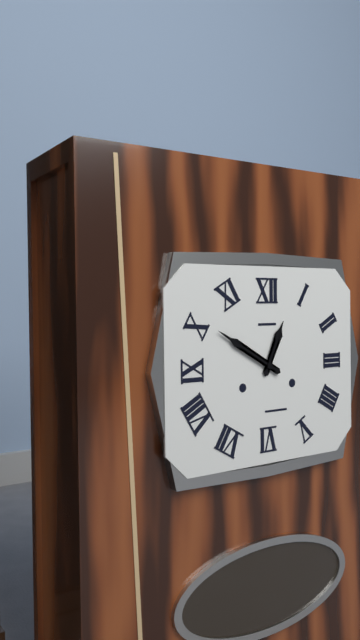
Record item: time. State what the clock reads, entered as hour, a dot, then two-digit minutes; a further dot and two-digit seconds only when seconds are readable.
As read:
12.50
